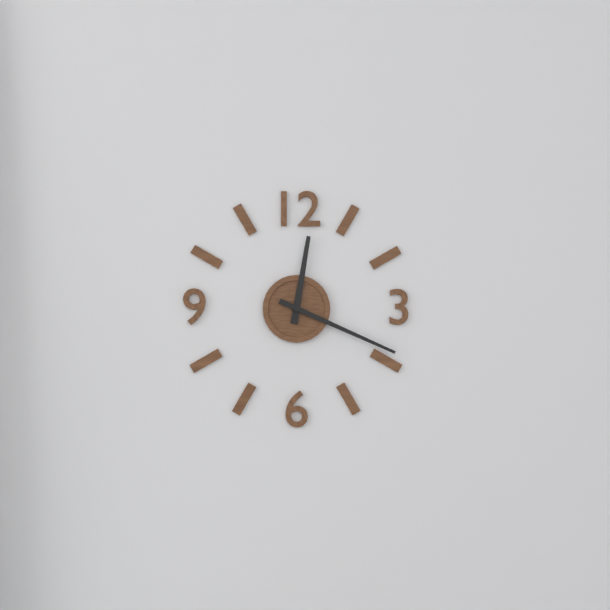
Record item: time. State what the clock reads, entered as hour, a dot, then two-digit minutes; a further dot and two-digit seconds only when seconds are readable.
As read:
12.19
